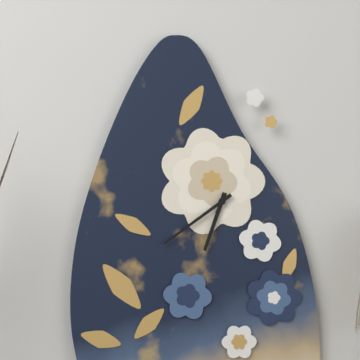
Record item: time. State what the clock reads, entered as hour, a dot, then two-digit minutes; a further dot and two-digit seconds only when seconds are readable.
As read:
6.39
